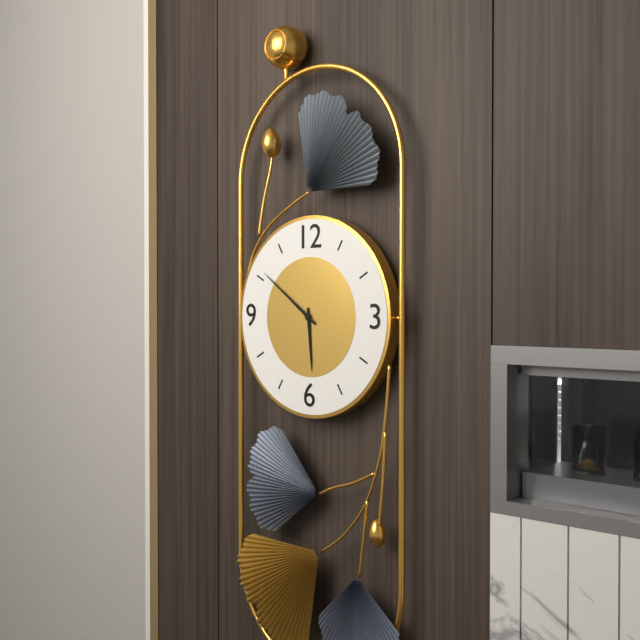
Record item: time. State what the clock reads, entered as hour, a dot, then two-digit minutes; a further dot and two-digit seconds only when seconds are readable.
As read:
5.51
